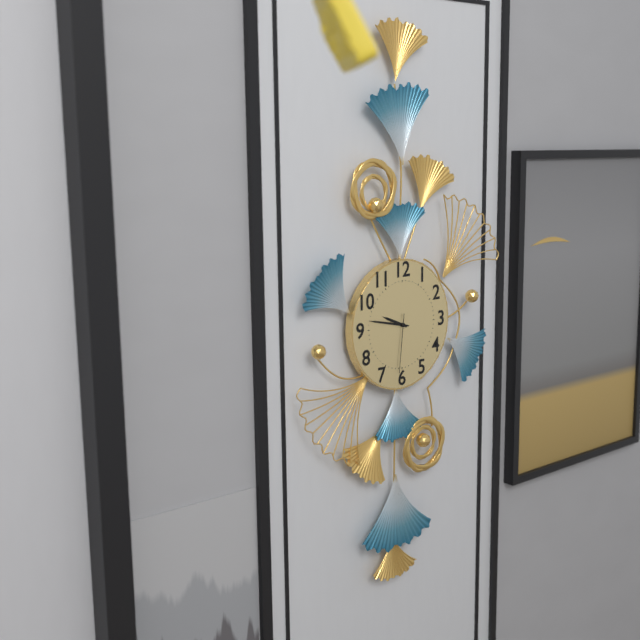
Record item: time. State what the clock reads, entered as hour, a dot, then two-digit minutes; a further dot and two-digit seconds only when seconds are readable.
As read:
9.47.31
